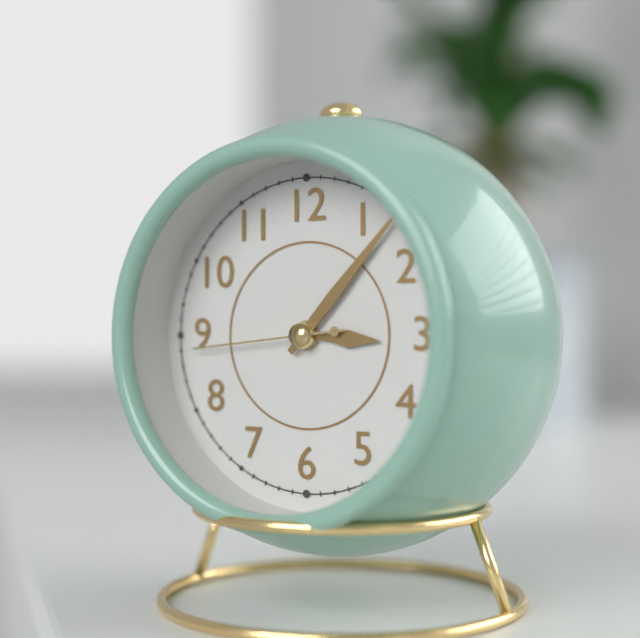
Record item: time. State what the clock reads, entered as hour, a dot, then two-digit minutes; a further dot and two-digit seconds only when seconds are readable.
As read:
3.07.44
